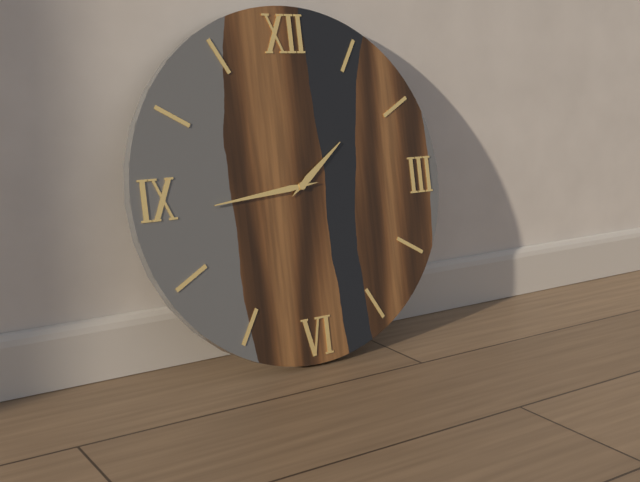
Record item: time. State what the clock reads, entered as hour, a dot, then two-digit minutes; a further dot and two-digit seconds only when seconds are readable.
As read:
1.44
